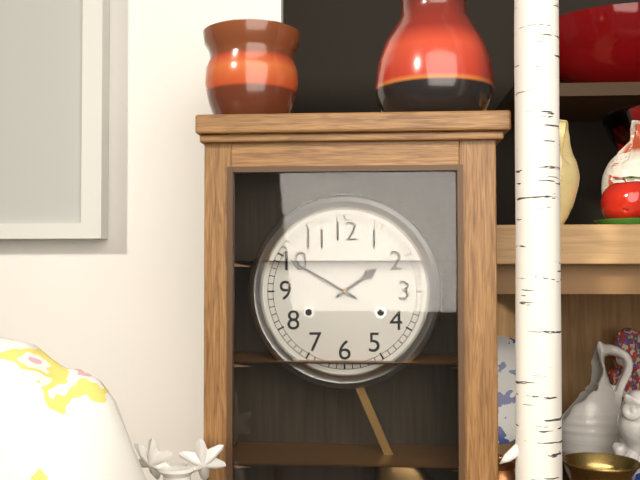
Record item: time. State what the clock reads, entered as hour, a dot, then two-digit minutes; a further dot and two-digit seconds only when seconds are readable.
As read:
1.50
